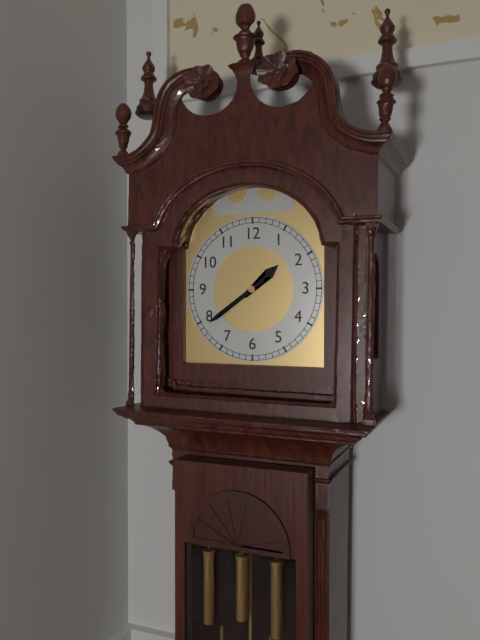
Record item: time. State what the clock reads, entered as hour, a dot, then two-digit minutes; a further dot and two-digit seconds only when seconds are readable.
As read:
1.39
